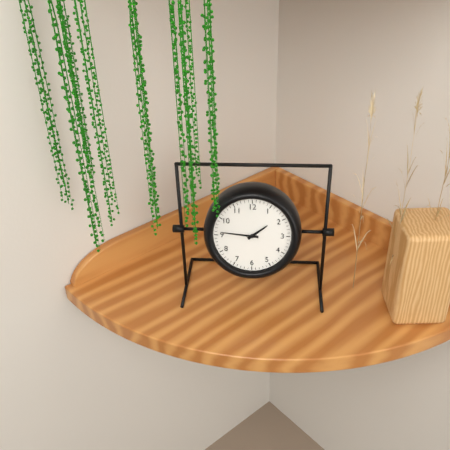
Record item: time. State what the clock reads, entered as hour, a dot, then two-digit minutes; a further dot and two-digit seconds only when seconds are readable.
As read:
1.46
